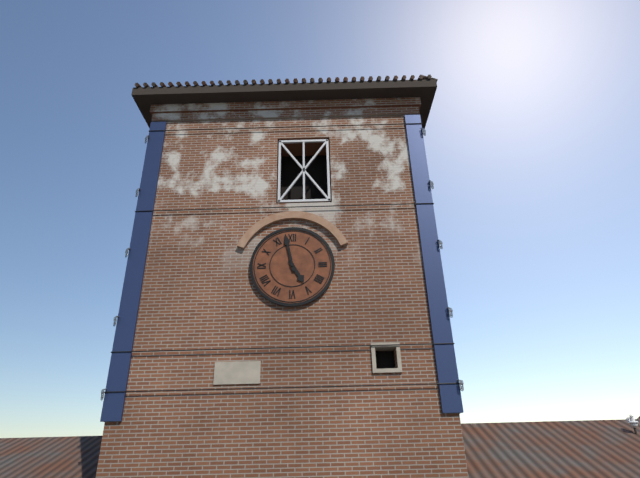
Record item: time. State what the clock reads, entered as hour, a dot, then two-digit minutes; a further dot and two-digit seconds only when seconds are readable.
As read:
4.58
